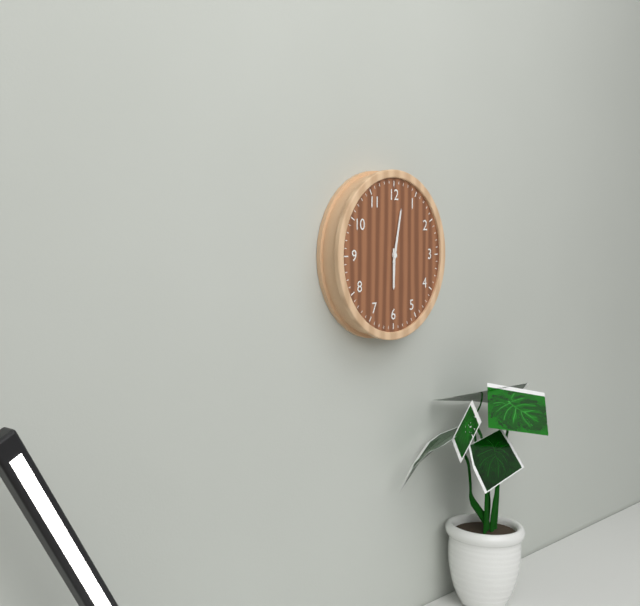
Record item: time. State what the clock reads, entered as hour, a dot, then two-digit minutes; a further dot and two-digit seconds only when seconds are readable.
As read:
6.02
